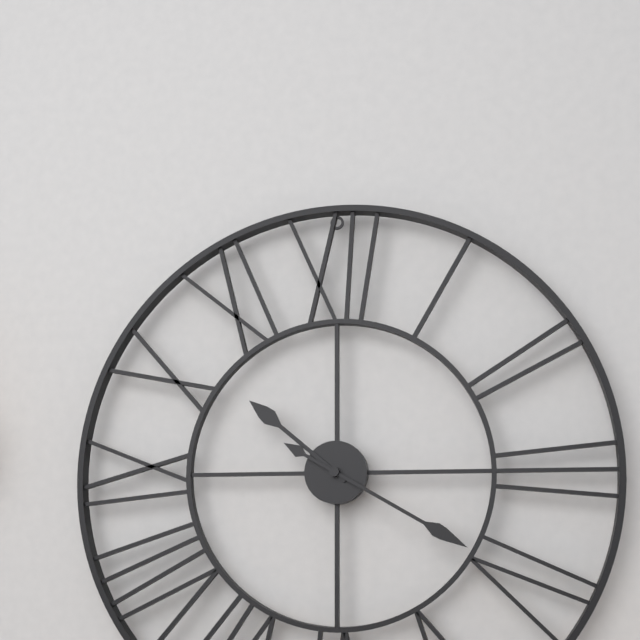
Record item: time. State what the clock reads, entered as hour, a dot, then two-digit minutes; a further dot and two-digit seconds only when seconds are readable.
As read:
10.20
